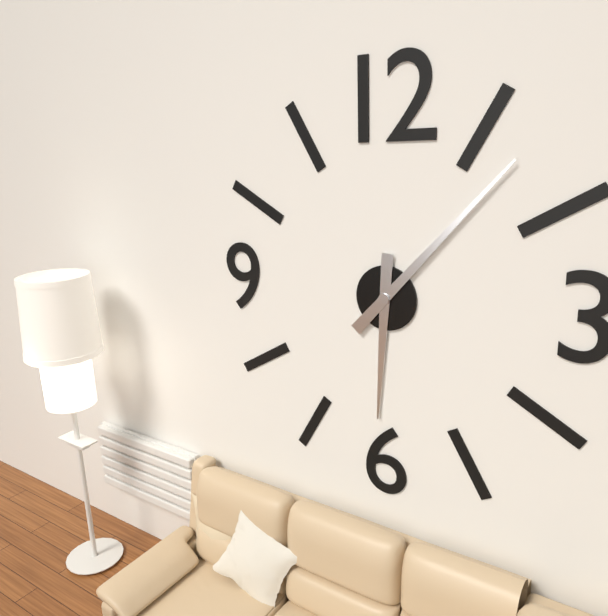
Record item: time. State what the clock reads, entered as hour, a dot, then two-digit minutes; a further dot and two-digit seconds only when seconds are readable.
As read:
6.07
